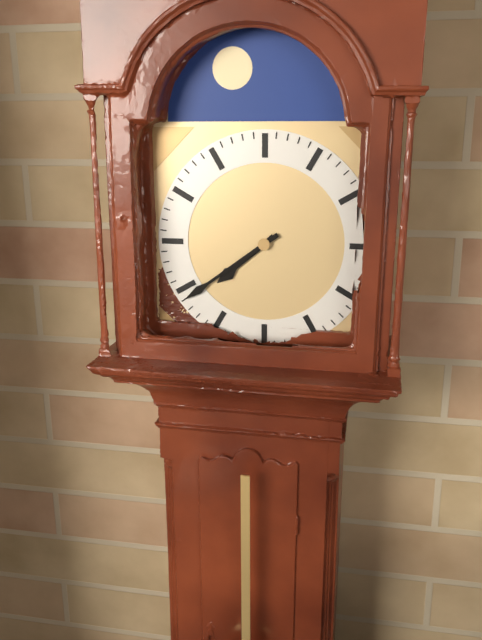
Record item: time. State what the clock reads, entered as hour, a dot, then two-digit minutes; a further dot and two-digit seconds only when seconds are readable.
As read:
7.39
